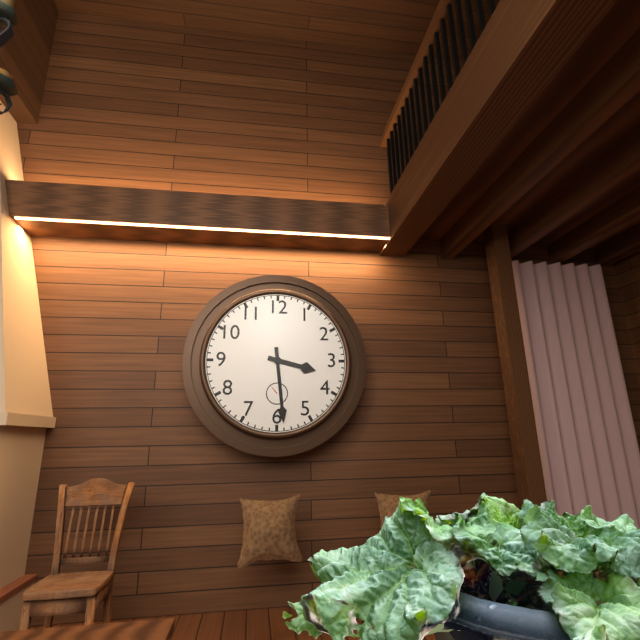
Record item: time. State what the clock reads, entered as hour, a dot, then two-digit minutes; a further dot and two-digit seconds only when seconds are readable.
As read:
3.29
